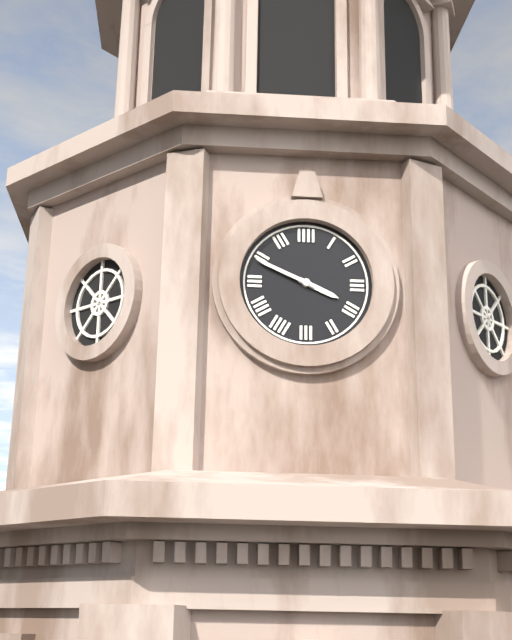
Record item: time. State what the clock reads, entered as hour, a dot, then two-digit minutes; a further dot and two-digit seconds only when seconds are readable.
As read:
3.49
